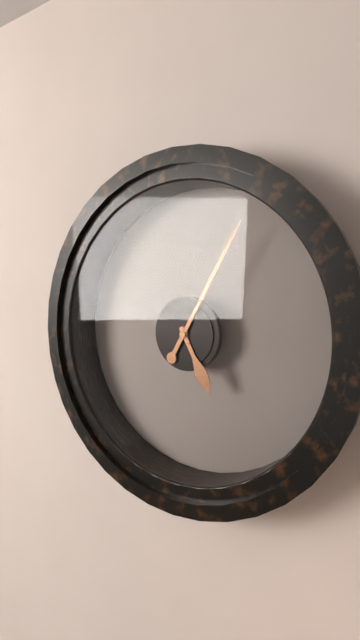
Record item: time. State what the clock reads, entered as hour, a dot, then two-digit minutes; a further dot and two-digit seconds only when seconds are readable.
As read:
5.05
